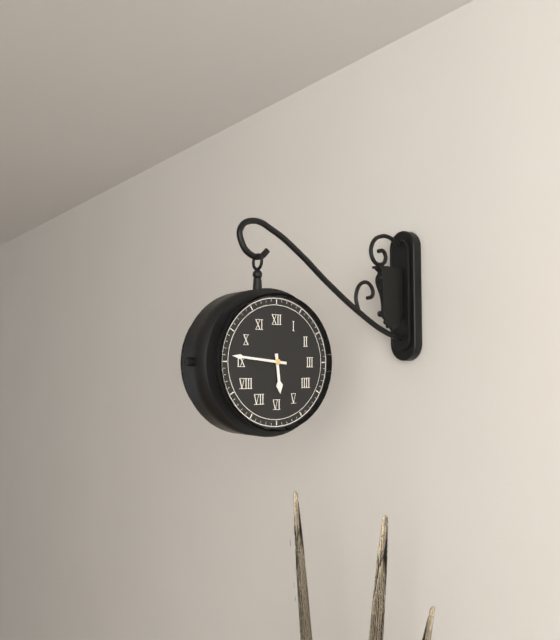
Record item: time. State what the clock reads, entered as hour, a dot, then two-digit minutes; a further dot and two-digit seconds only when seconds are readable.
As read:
5.46
